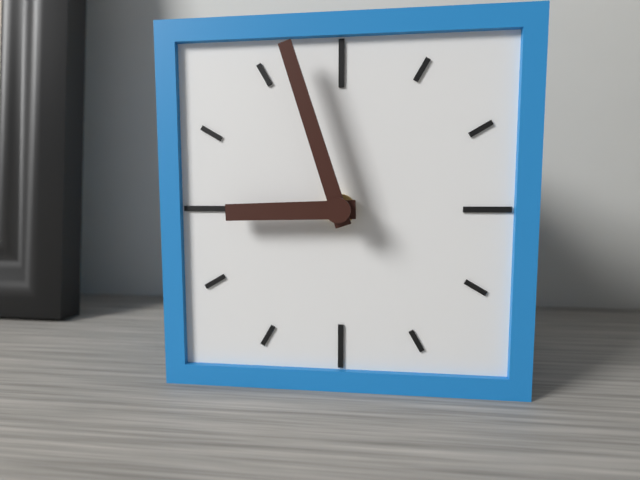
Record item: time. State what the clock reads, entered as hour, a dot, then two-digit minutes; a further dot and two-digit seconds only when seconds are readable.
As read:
8.57
